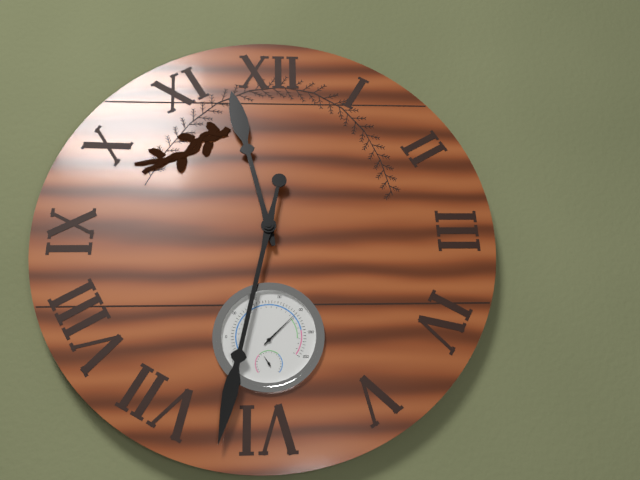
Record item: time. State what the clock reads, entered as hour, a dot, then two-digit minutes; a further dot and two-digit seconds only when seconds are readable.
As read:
11.32
